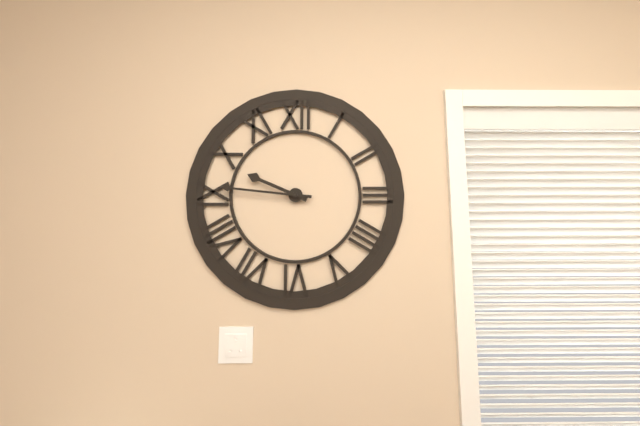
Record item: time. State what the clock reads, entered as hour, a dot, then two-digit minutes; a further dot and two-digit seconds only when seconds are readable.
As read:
9.46
